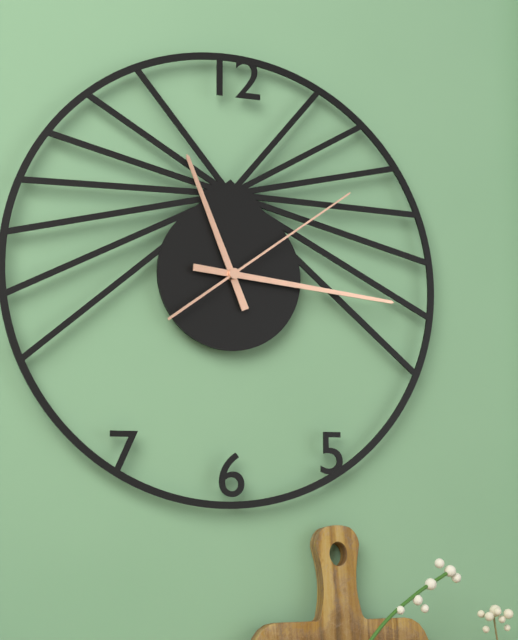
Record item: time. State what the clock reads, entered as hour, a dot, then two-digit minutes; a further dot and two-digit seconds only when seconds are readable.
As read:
11.16.09
